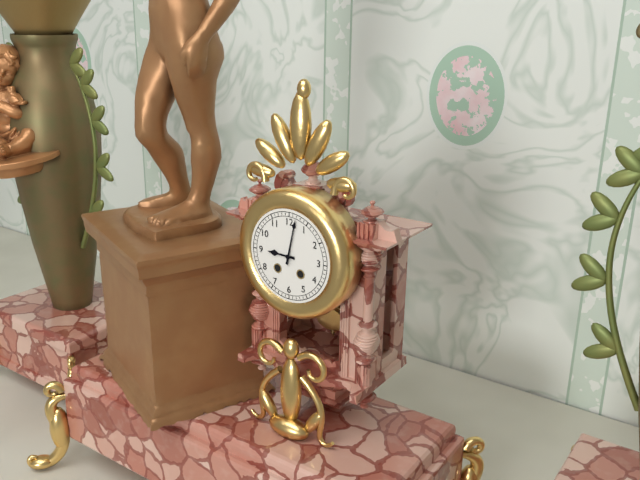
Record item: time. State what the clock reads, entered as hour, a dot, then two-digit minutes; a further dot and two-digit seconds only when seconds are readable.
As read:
9.02
